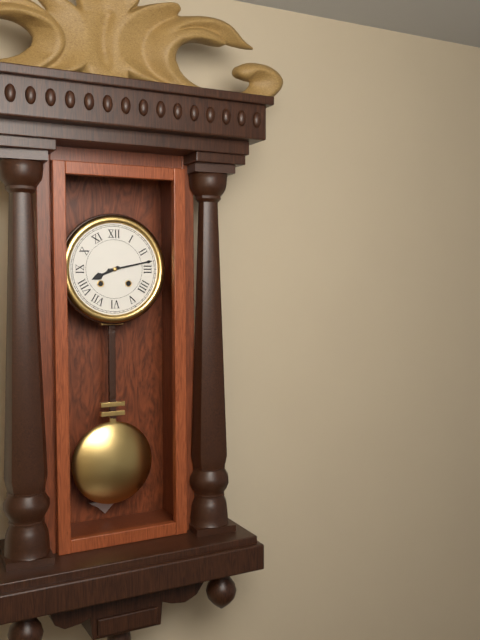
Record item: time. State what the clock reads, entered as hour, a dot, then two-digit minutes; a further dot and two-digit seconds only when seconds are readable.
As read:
8.13
